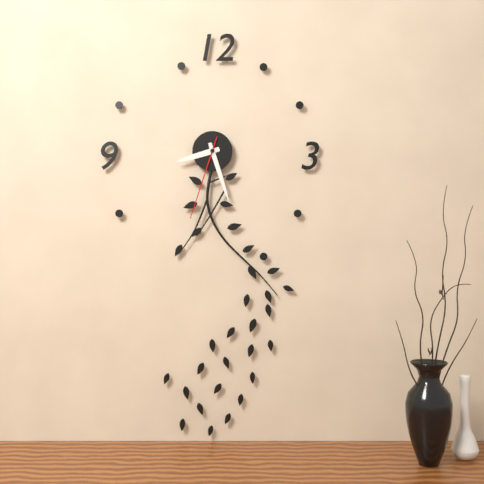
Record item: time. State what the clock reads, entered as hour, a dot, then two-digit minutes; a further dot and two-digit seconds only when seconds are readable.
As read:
8.27.33
